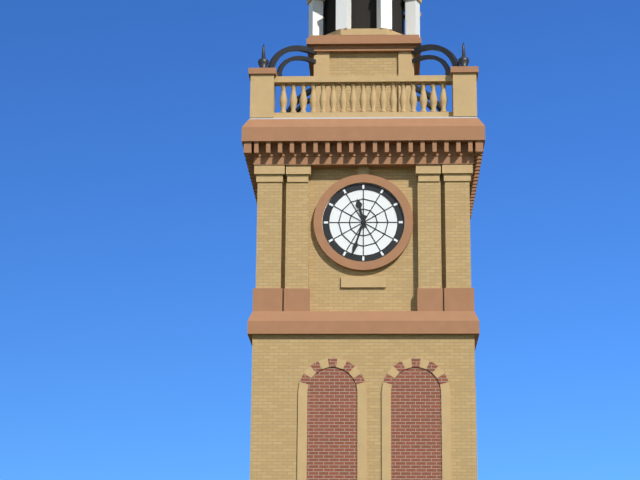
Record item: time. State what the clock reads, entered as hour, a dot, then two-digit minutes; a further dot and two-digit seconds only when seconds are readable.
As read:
11.33
